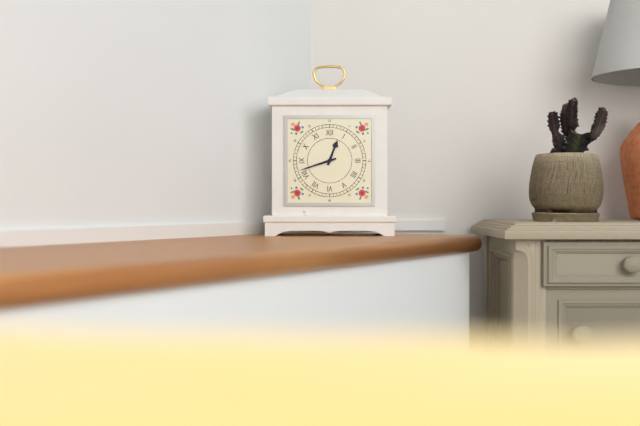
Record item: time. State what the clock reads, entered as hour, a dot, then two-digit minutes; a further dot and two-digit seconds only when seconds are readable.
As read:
12.42
